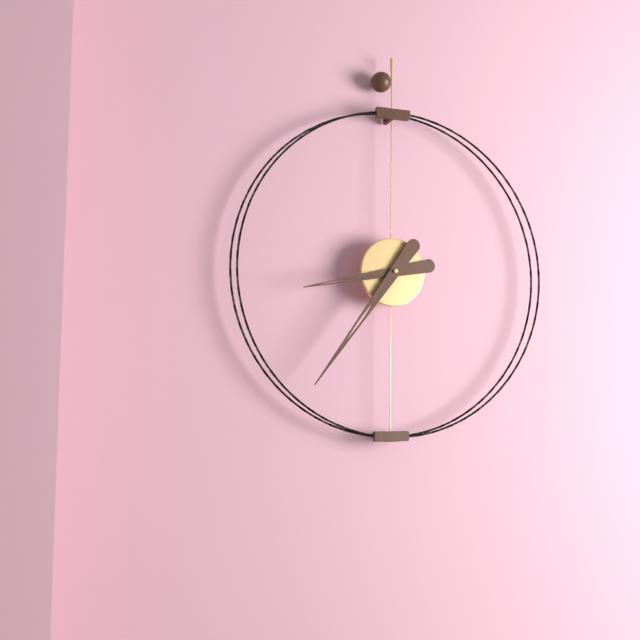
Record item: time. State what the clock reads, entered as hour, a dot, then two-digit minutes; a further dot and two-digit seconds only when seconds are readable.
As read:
8.36
